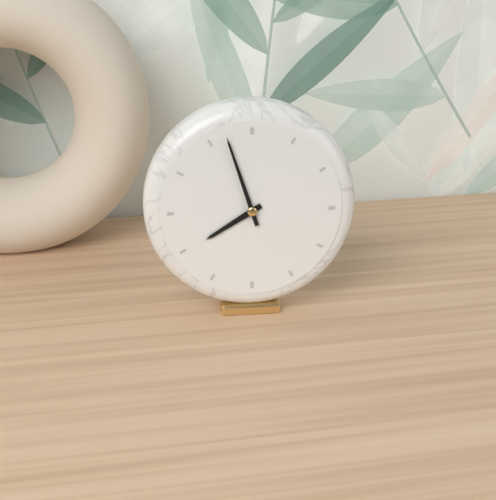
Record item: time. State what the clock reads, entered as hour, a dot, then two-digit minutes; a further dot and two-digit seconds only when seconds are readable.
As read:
7.57
